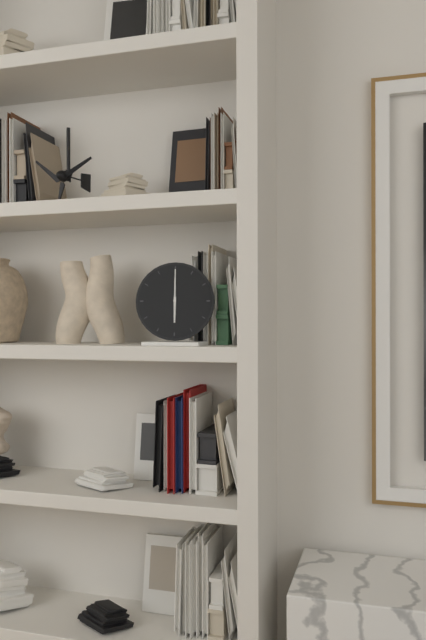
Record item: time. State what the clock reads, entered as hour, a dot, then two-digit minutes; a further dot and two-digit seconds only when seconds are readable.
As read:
6.00
